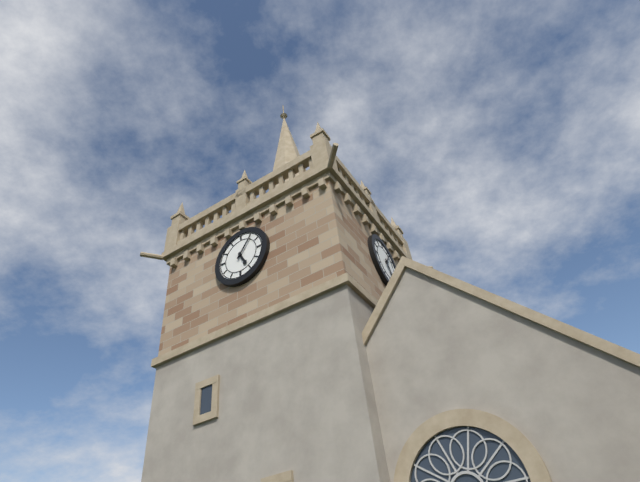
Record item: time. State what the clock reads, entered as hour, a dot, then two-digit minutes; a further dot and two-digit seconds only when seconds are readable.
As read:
5.06
